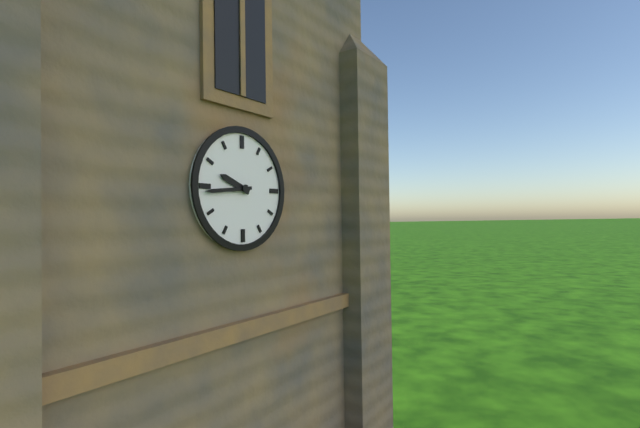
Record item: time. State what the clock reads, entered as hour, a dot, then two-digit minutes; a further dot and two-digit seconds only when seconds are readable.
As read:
9.44
